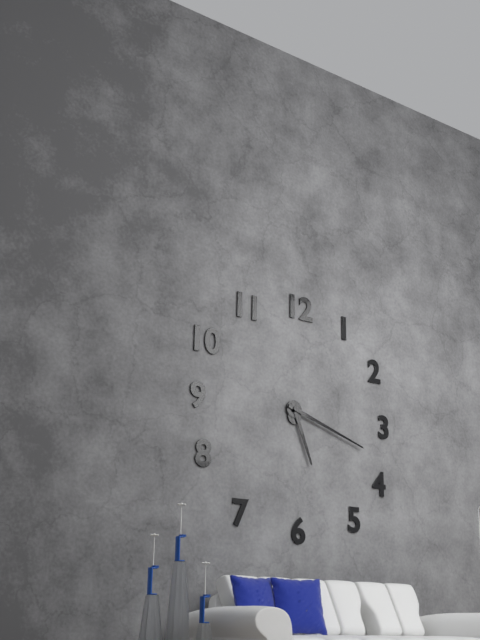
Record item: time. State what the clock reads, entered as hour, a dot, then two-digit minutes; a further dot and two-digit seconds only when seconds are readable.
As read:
5.18
